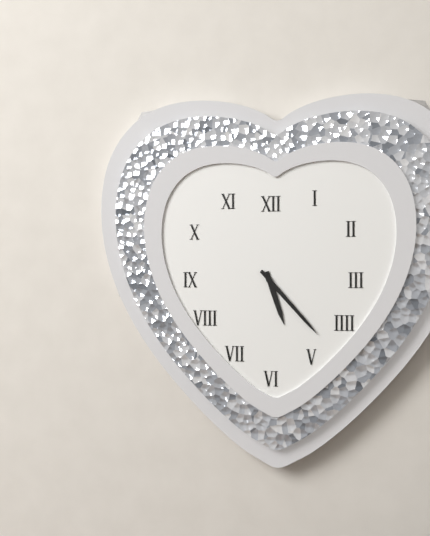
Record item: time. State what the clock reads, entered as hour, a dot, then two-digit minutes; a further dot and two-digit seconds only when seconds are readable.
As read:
5.23
